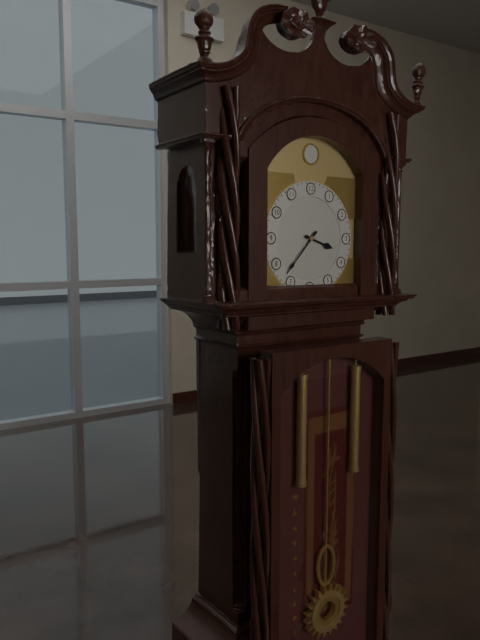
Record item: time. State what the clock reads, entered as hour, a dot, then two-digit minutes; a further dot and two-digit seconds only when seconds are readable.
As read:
3.37
